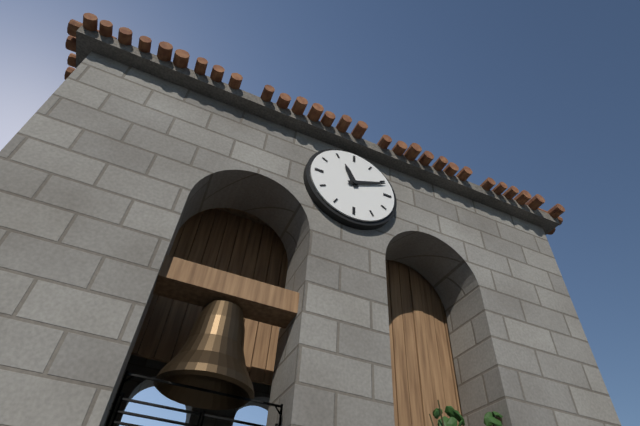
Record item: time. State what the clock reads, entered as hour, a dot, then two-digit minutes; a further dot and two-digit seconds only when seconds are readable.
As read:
11.11
